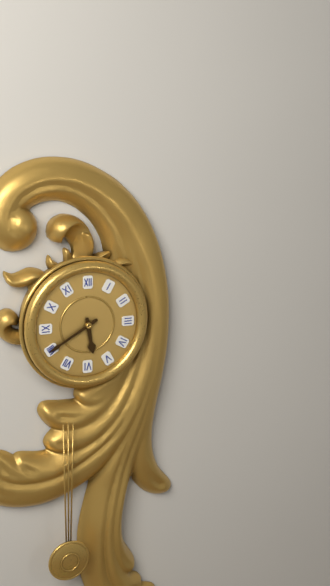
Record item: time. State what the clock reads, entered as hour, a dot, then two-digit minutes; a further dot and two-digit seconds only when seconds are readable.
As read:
5.40
